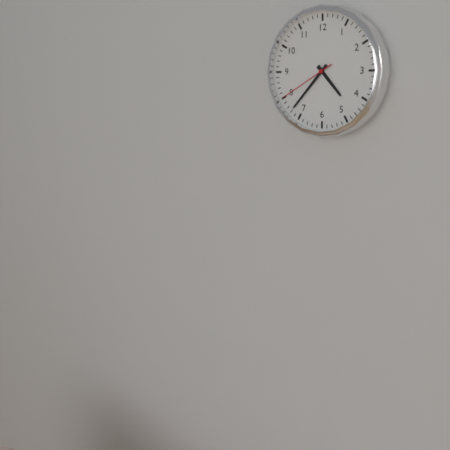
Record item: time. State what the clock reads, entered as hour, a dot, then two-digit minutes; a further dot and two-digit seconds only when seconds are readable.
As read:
4.37.40
